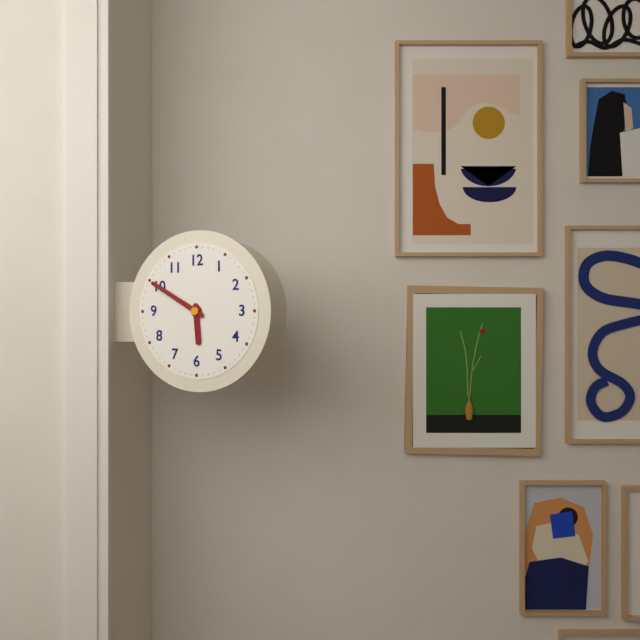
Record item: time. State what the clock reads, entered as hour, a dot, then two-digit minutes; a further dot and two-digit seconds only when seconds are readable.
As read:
5.50
